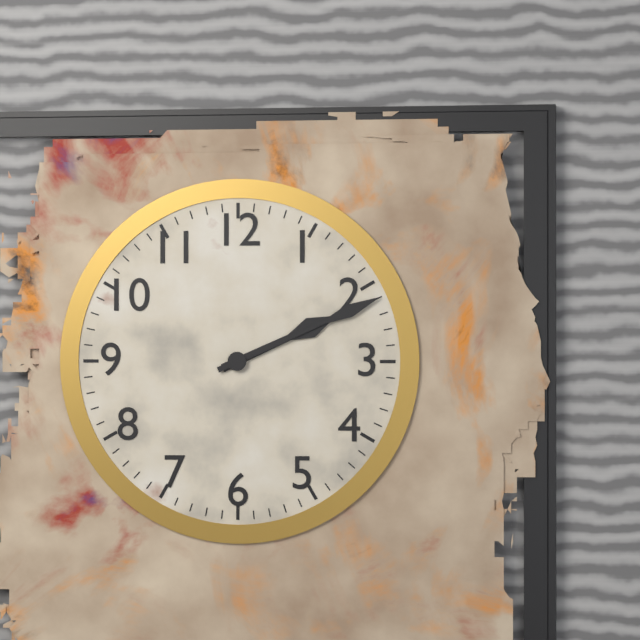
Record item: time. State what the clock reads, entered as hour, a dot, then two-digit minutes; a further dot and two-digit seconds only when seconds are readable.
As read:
2.11
